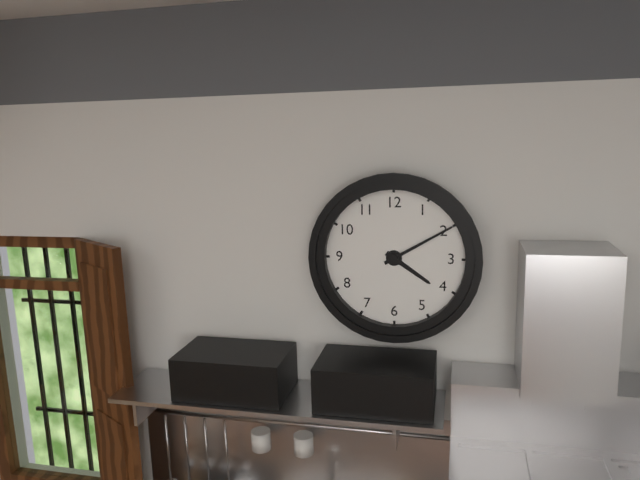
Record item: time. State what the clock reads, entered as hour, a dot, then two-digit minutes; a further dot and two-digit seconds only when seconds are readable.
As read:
4.10
